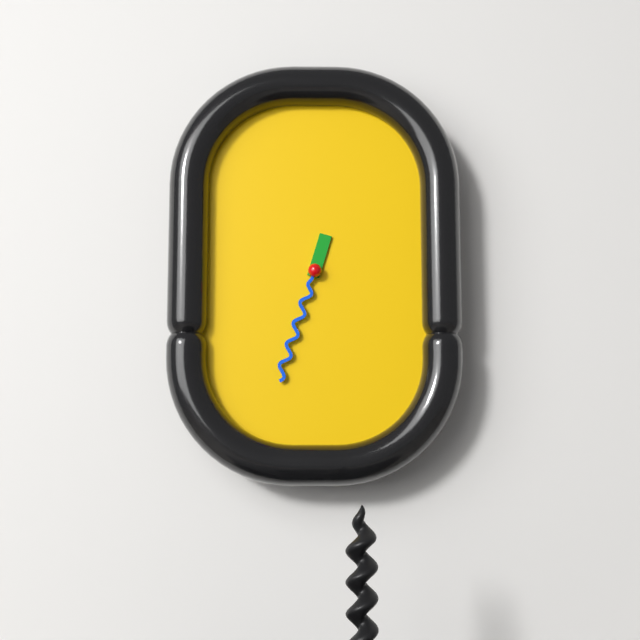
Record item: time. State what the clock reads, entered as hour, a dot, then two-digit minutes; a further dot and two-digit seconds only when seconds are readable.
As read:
12.33
